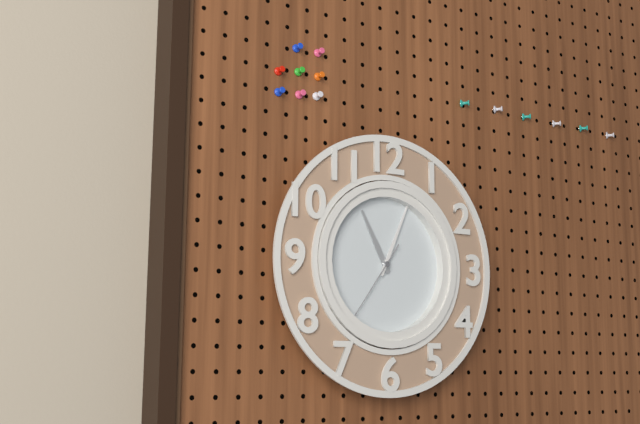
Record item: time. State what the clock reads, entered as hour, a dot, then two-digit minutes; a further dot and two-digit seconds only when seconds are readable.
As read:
11.04.36
